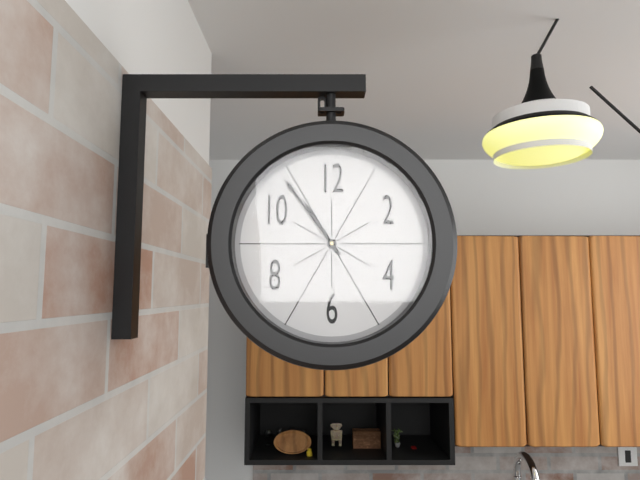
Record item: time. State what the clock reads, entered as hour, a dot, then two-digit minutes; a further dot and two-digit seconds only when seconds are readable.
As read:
10.54
